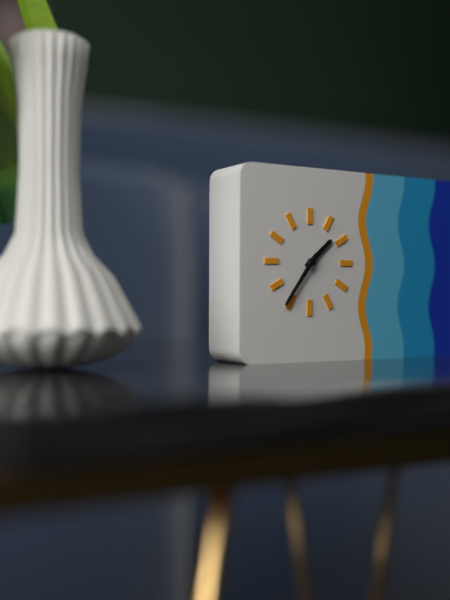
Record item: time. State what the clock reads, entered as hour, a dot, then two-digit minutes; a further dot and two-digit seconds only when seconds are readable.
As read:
1.36
